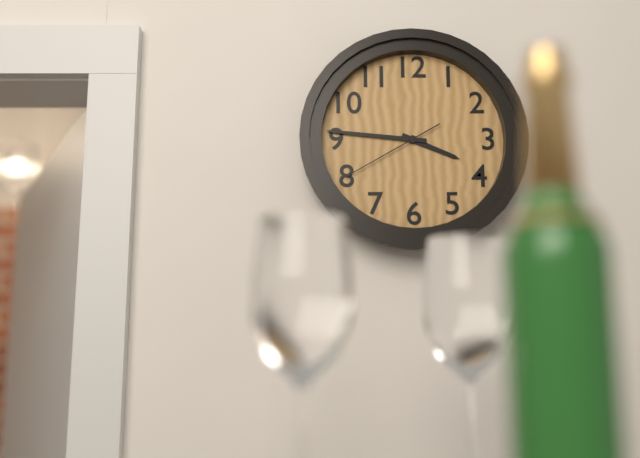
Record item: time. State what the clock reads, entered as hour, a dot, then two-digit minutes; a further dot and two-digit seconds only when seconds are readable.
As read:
3.46.40
